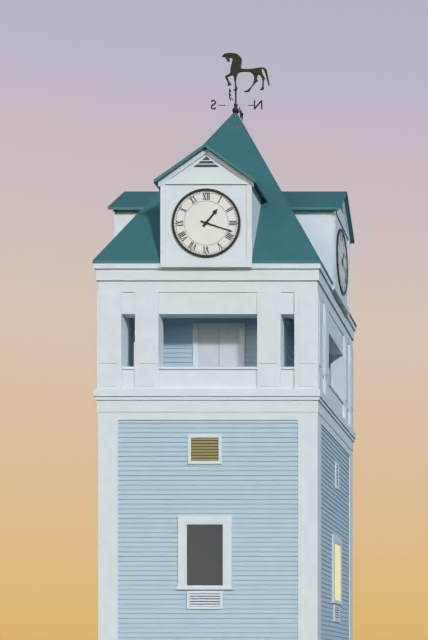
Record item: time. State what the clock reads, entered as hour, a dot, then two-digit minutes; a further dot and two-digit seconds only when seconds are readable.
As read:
1.18
